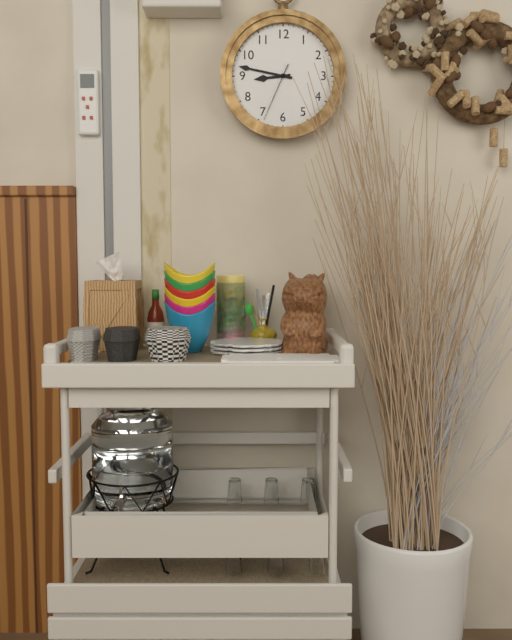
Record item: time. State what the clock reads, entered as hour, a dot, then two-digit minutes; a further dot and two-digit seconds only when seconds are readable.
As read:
8.47.34
